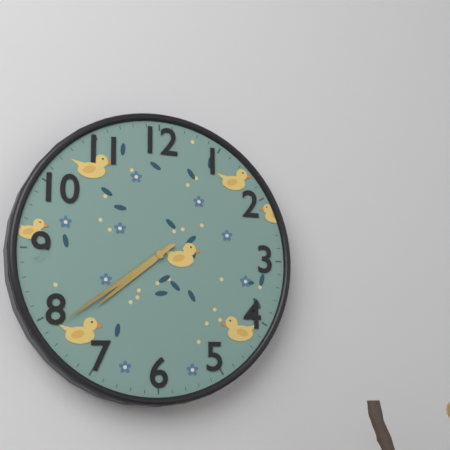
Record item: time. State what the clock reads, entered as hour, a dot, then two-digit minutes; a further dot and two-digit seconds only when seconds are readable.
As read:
7.39
